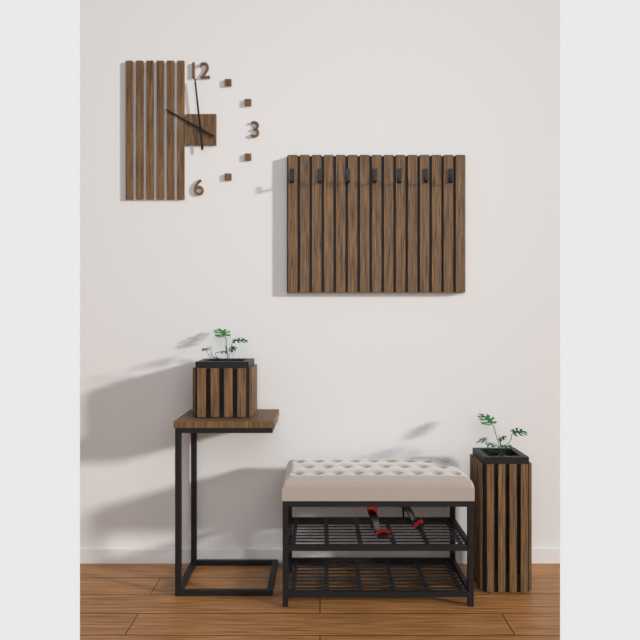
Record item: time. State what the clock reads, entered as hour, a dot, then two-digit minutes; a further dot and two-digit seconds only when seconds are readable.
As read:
9.59
